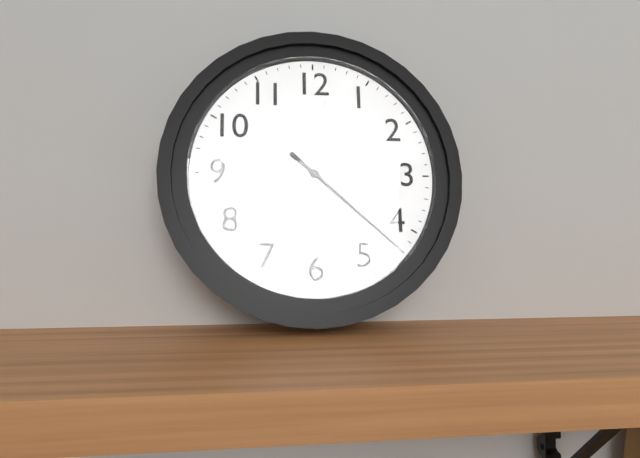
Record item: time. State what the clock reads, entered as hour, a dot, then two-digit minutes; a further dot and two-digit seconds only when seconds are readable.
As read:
12.22
